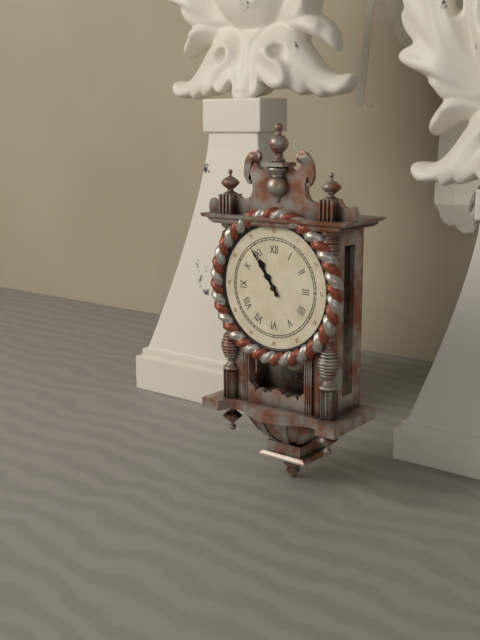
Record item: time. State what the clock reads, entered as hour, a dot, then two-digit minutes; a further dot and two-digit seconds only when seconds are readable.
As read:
10.54
